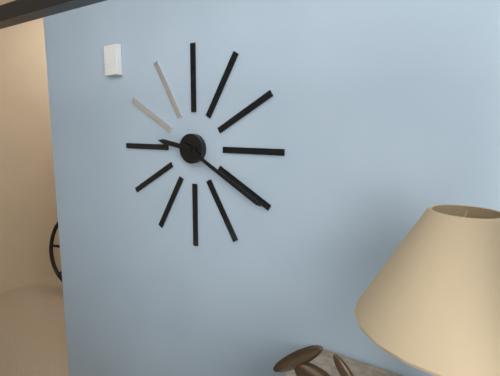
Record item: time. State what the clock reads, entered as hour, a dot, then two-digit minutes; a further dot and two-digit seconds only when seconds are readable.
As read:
9.20
